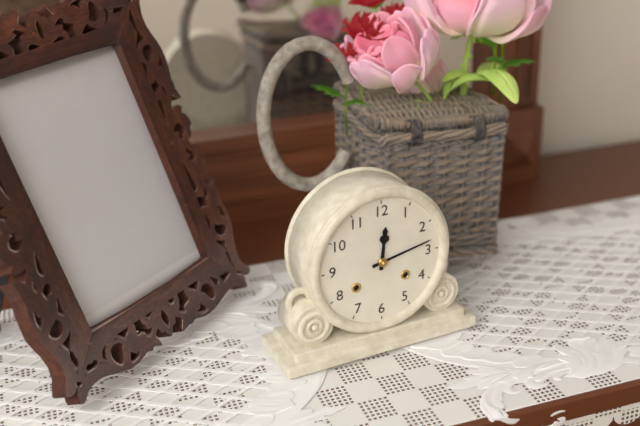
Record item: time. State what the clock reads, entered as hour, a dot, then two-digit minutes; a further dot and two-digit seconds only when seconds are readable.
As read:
12.13
